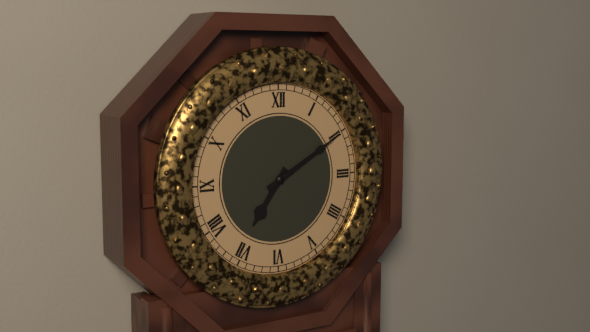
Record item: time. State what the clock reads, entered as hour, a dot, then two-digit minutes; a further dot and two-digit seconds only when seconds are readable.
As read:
7.10
